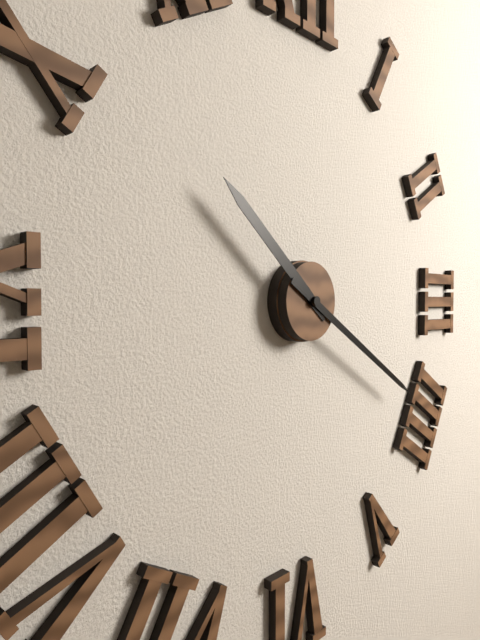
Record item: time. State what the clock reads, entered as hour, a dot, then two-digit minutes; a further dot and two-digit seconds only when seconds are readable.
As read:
10.20
